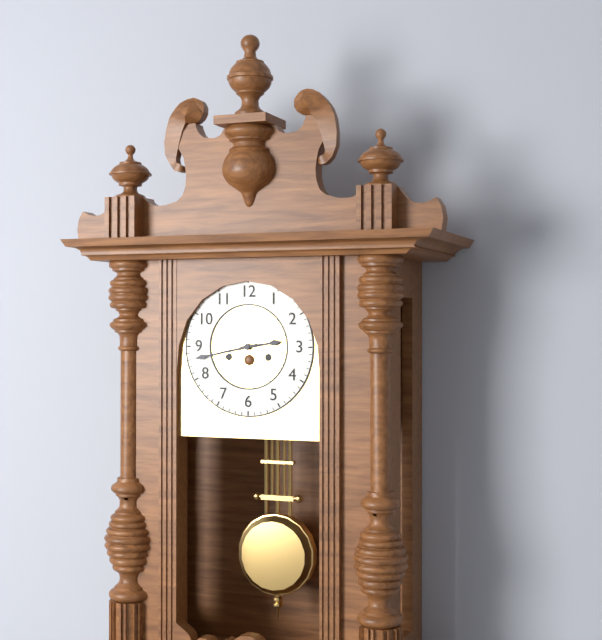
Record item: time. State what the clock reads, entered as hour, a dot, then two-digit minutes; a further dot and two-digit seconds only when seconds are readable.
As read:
2.43
